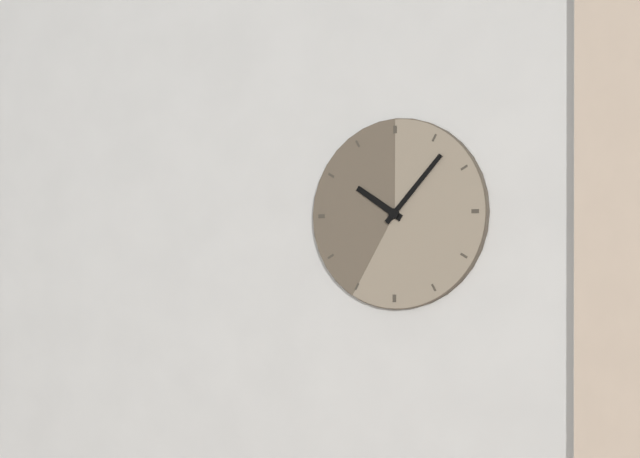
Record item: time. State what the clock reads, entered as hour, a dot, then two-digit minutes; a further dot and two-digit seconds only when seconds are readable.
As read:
10.07
